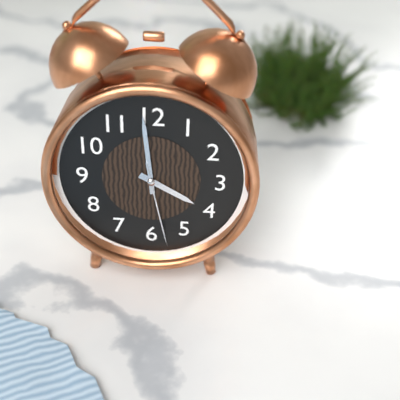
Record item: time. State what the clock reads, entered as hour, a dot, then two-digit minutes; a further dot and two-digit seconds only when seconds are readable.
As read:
3.59.28
